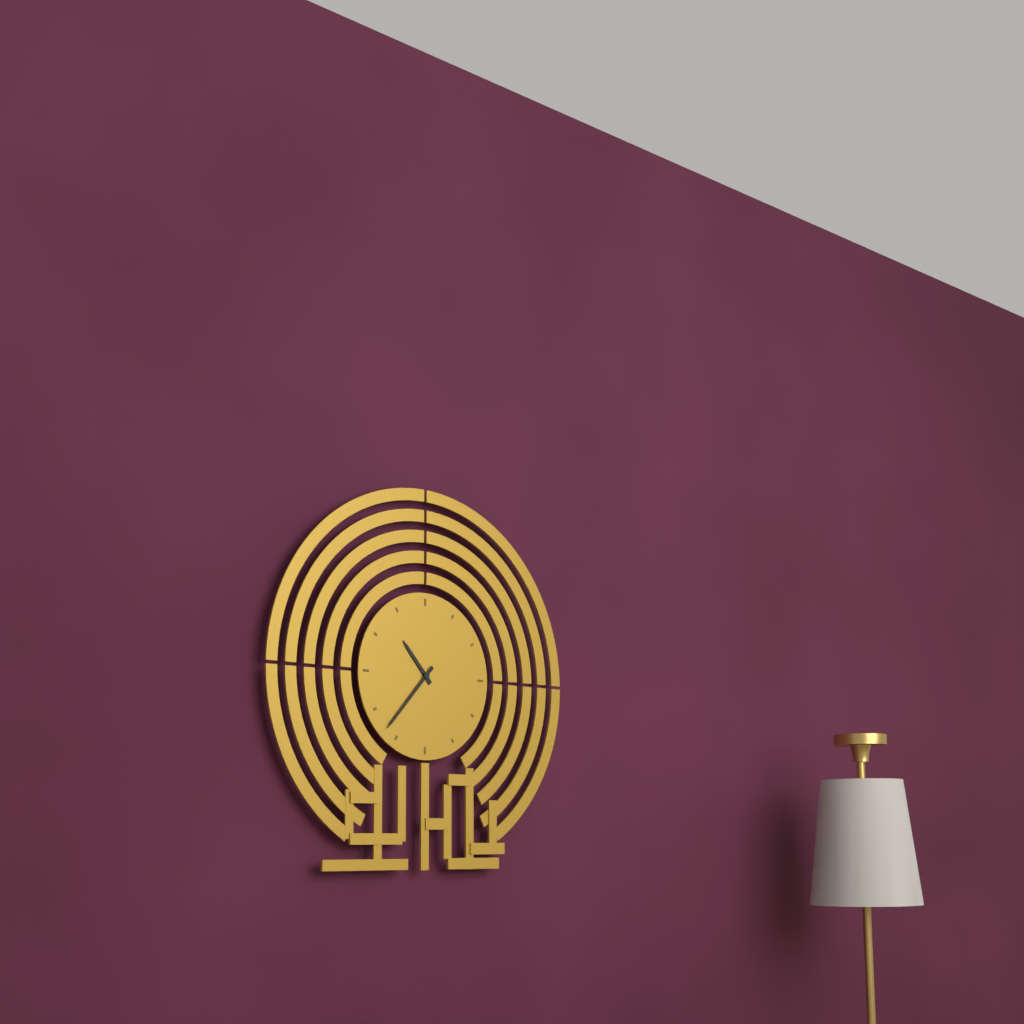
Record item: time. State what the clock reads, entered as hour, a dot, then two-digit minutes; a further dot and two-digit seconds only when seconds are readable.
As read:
10.37
